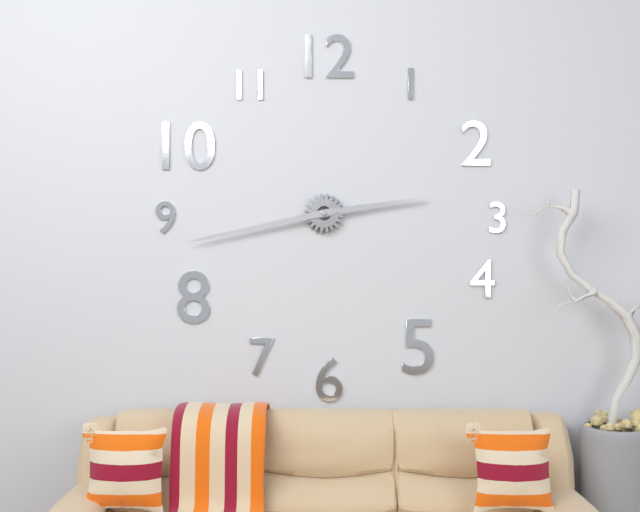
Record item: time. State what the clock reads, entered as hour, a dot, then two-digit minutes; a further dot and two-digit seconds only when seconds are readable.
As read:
2.43
